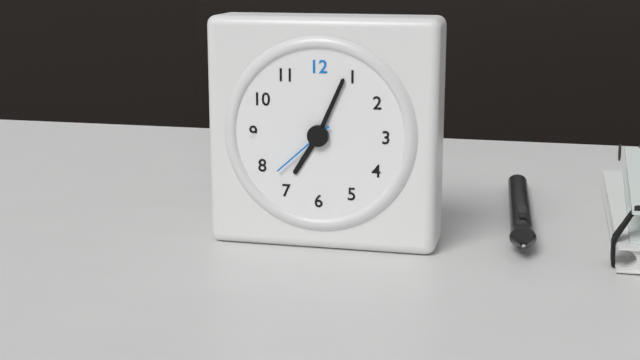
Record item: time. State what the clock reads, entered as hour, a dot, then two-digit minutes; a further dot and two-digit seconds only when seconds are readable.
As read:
7.04.38
